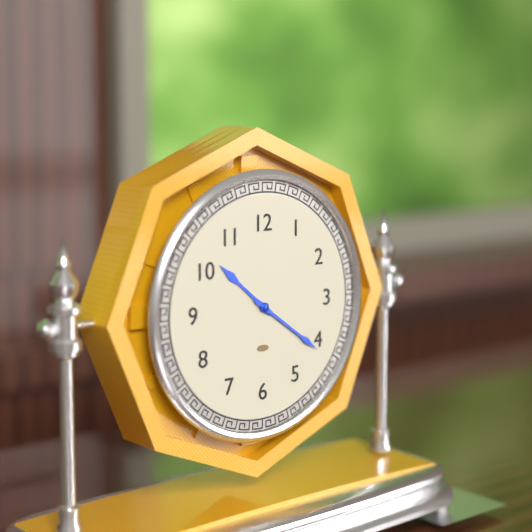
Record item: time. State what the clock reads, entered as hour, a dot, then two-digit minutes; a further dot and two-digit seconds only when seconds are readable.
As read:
10.21
